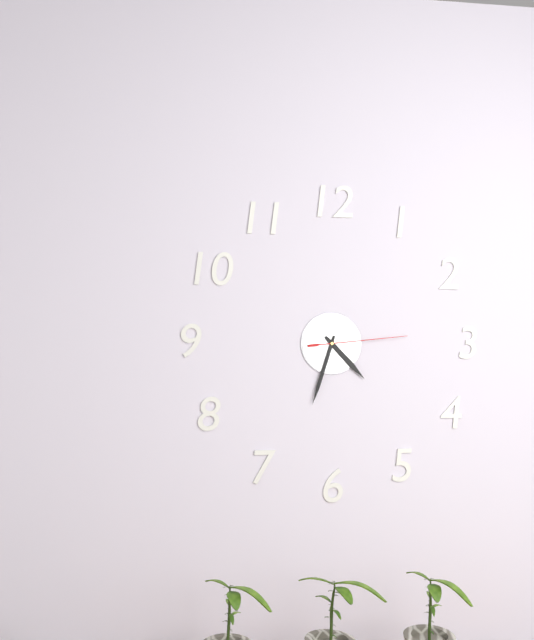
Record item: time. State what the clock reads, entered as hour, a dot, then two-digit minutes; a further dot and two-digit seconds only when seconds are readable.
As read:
4.33.14
